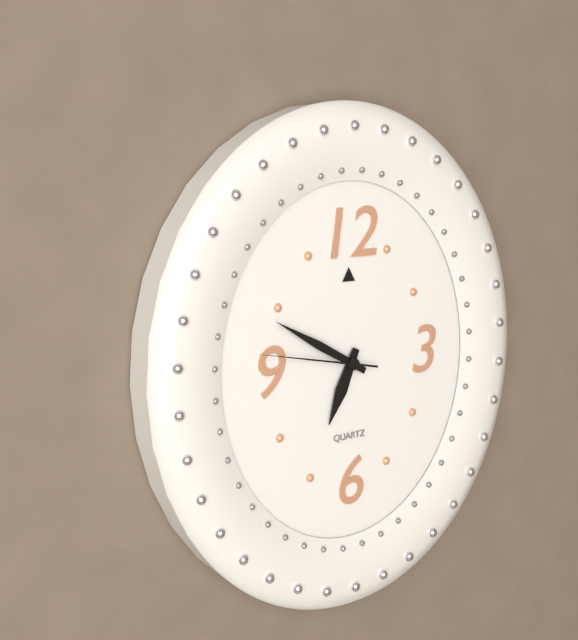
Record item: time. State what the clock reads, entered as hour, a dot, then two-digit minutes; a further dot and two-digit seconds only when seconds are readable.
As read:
6.50.47
